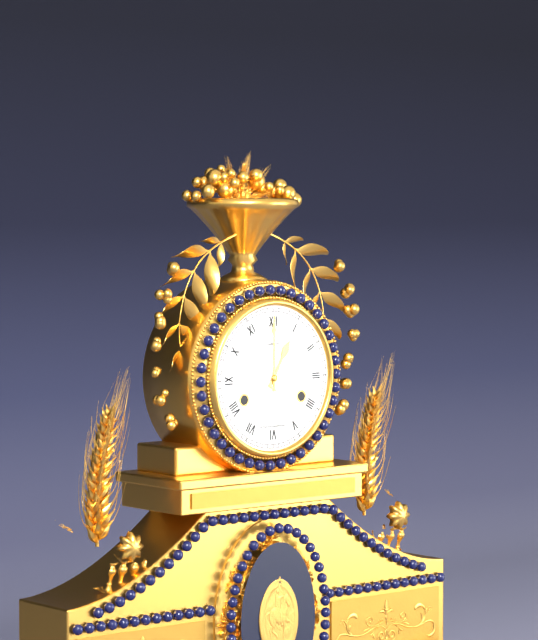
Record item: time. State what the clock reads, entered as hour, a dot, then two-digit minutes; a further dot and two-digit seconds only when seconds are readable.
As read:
1.00
